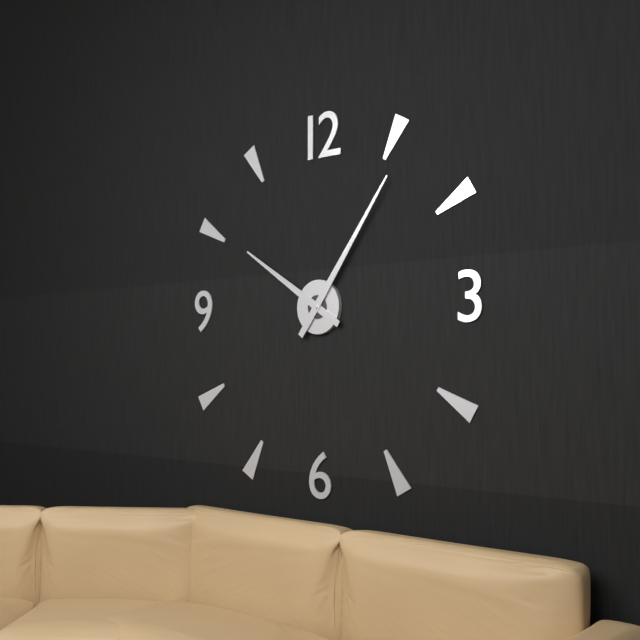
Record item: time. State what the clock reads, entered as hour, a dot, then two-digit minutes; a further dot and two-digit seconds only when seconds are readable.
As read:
10.06
